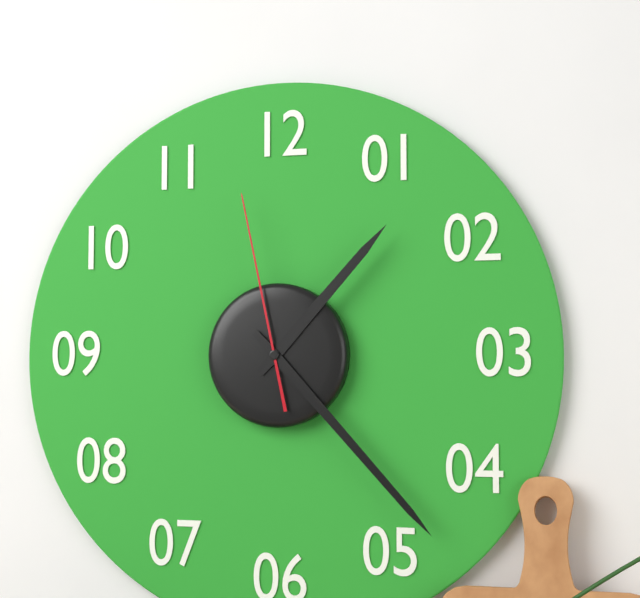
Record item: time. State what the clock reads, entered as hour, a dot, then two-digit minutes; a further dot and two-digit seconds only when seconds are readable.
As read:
1.23.58
